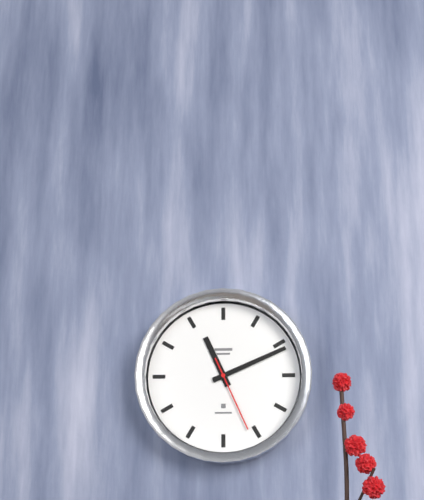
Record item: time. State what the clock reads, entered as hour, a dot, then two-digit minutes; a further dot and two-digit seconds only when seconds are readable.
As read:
11.11.26
